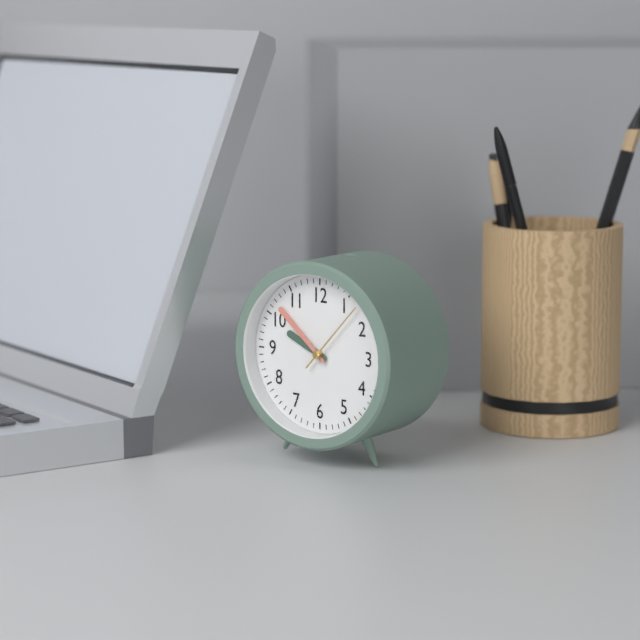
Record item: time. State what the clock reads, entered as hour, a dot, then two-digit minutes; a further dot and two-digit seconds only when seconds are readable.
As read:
9.52.07
